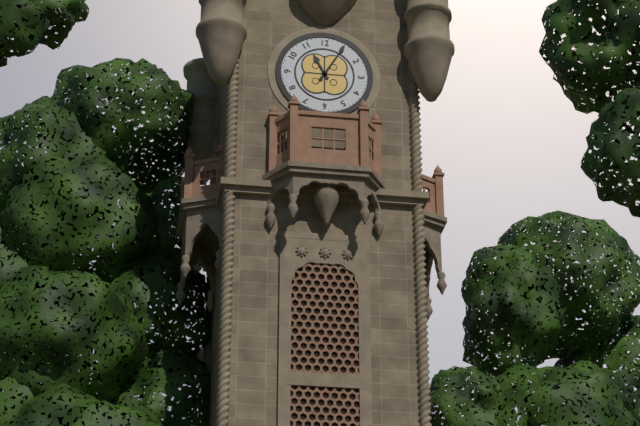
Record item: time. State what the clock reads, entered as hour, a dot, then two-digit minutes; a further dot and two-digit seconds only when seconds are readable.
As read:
11.05
